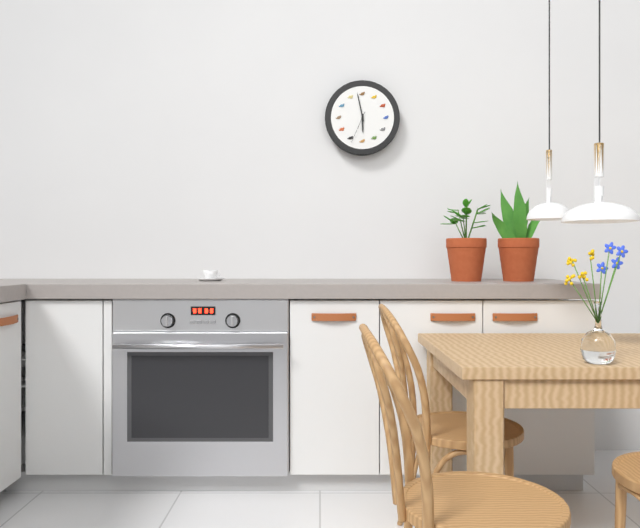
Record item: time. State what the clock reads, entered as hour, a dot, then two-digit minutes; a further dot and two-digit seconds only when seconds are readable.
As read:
5.58
